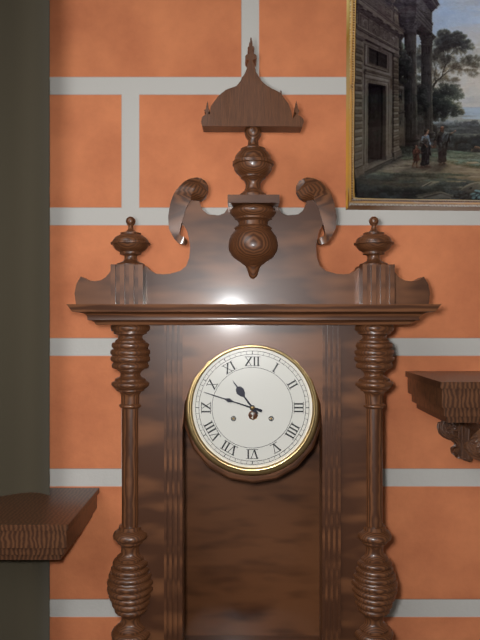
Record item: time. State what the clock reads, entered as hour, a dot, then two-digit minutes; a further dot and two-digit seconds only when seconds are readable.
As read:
10.48
